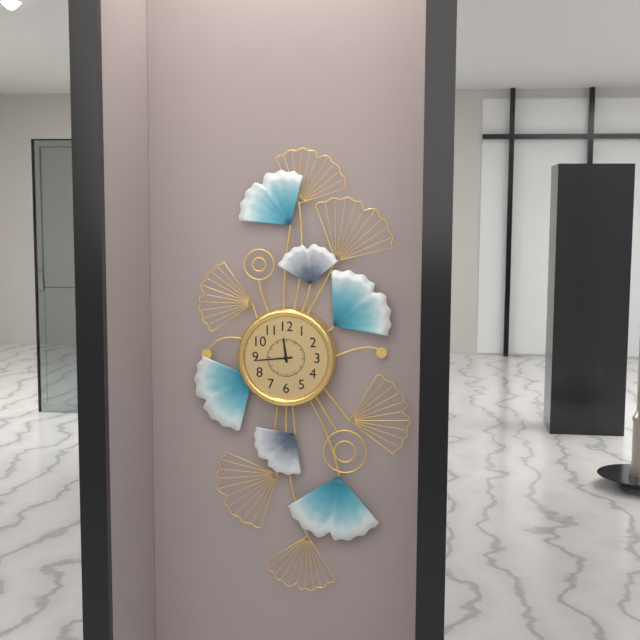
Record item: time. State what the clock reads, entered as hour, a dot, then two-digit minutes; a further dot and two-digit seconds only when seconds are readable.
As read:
11.44
